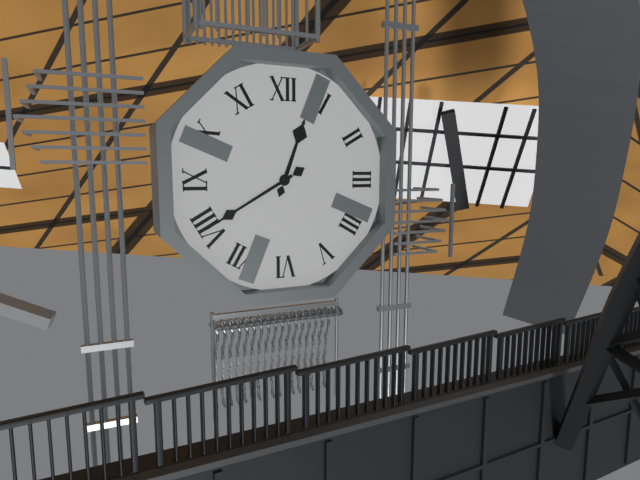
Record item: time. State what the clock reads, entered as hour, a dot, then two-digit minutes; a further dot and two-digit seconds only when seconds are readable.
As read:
12.40
